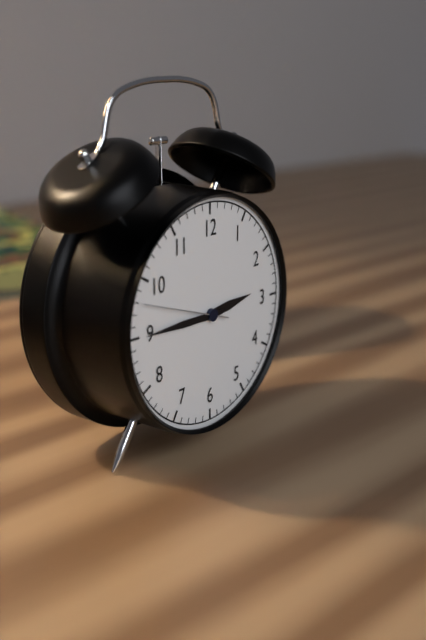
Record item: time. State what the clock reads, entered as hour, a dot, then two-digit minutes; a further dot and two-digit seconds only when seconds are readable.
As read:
2.45.48
